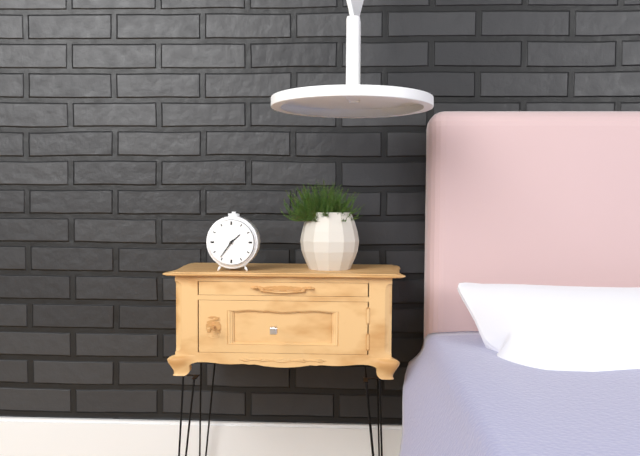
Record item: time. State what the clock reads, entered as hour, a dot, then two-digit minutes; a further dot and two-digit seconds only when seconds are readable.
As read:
1.36
